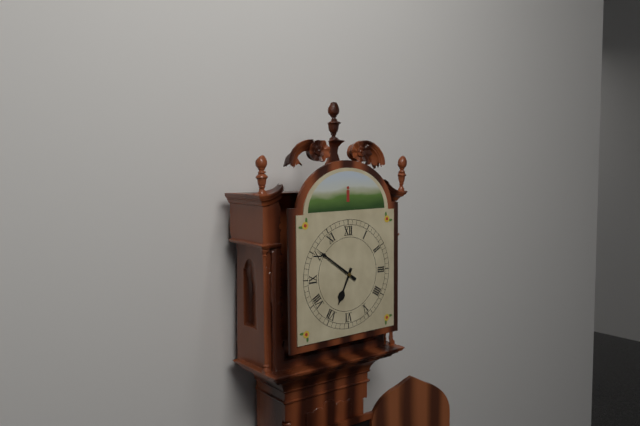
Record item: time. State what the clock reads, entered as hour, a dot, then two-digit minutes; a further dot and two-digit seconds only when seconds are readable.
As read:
6.51
